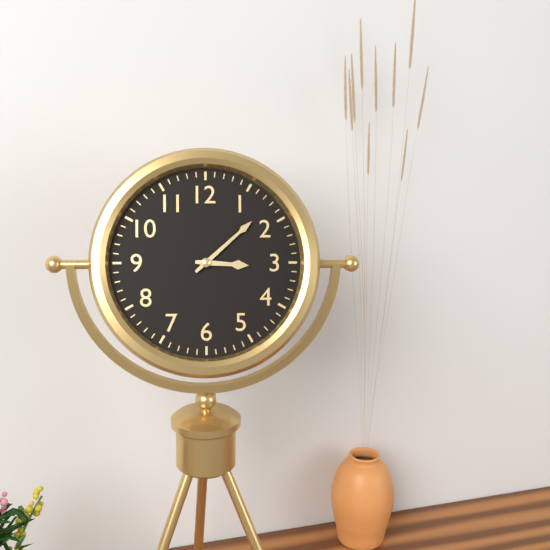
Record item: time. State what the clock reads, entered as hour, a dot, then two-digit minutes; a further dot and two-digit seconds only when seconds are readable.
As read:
3.08
